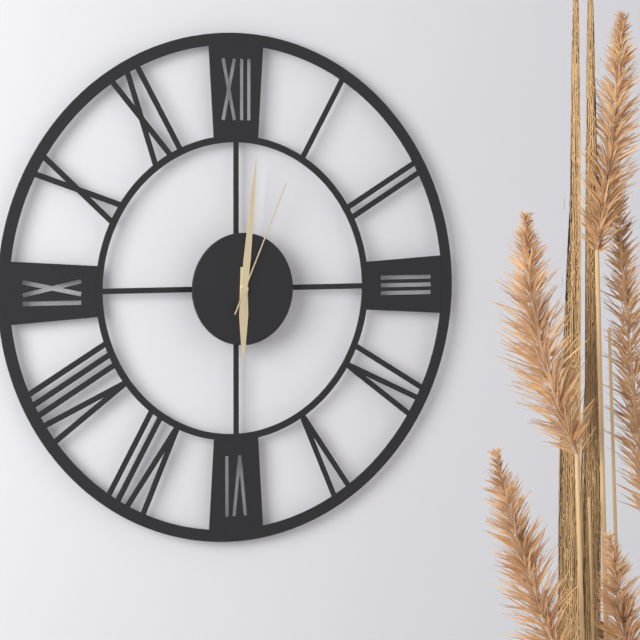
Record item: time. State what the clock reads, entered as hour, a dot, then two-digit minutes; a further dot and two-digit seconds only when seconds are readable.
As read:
6.01.04
